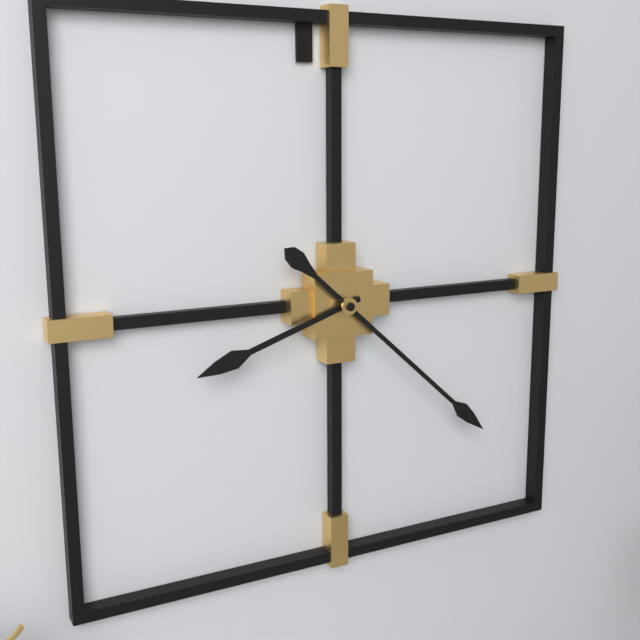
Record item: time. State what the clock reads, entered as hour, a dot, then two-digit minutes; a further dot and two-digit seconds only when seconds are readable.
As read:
8.22
